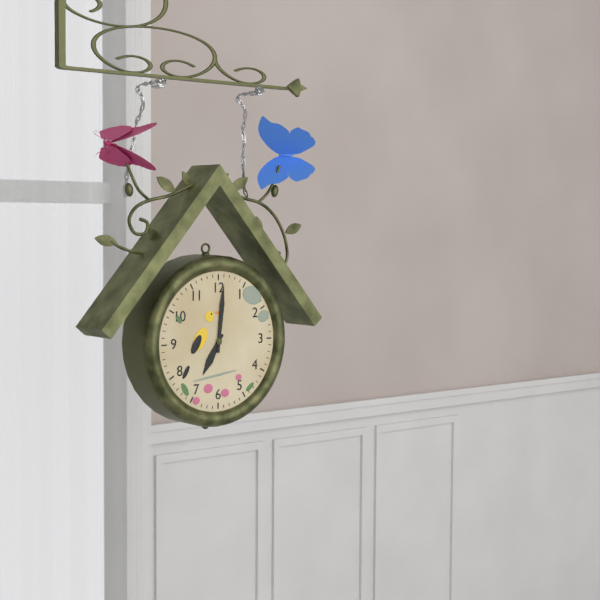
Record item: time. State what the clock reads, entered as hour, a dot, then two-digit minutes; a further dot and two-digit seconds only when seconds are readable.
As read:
7.01
